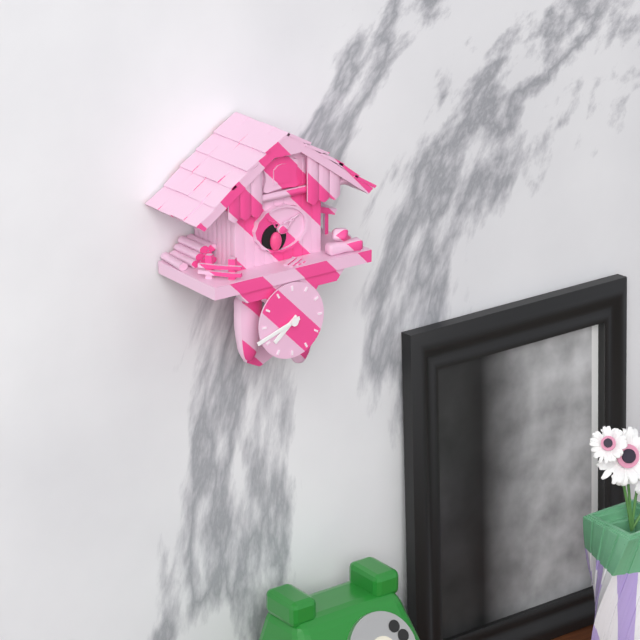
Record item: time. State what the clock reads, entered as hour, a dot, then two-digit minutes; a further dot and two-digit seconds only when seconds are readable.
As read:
7.42
